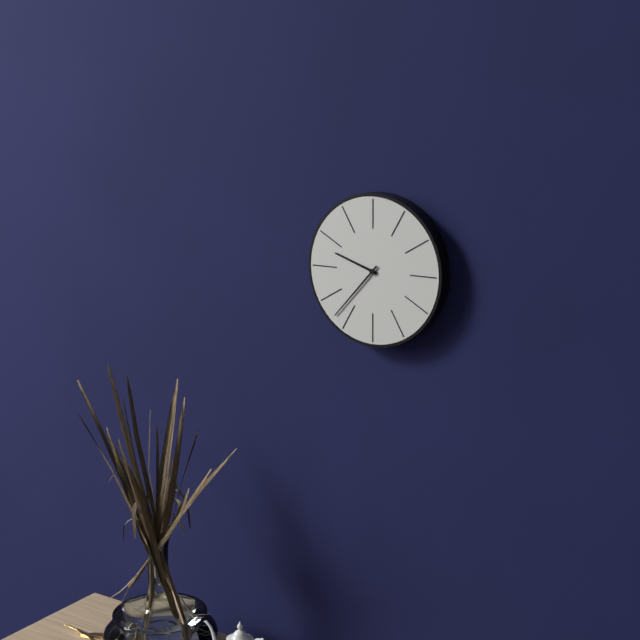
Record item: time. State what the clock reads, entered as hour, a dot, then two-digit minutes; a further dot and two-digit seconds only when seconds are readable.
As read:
9.37
